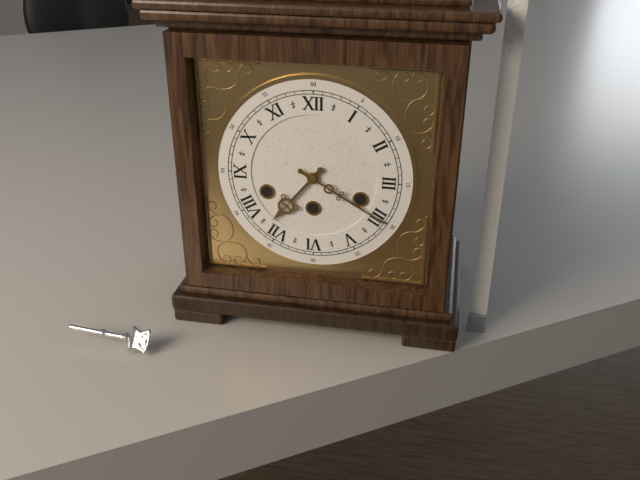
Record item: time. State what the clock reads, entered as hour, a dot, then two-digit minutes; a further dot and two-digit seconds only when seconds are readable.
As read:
7.20
